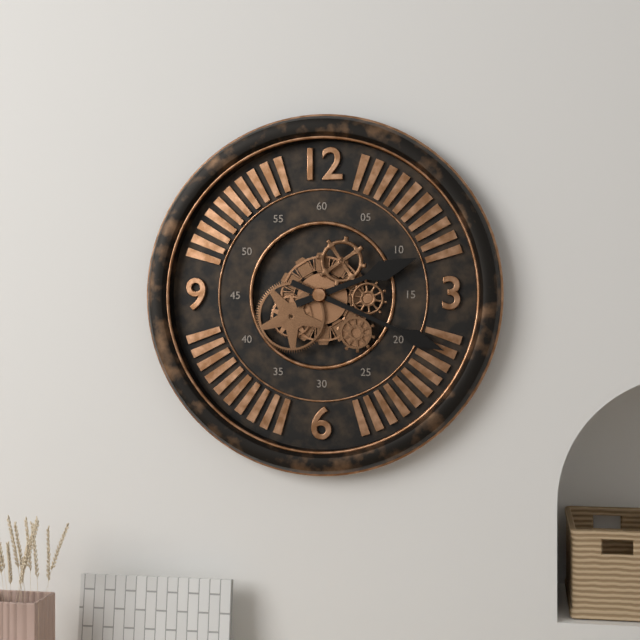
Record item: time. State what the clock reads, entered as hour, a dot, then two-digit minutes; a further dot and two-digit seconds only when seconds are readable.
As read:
2.19
